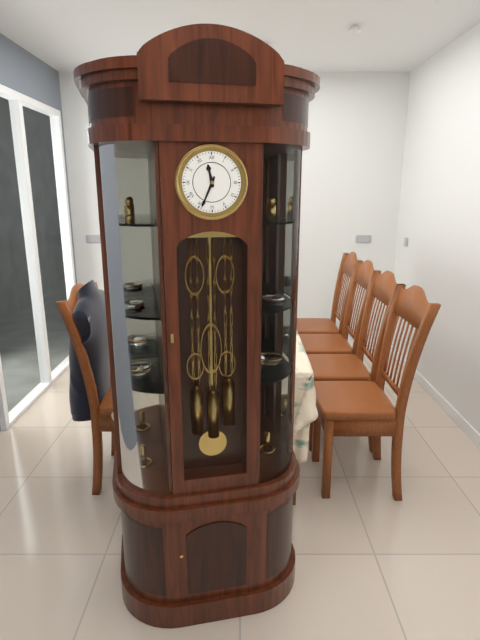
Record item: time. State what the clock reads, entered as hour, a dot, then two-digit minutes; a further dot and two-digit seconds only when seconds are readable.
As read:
11.34
